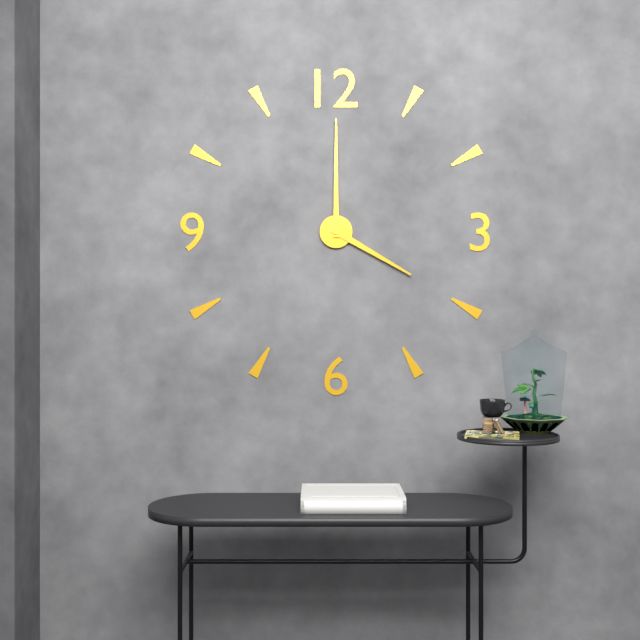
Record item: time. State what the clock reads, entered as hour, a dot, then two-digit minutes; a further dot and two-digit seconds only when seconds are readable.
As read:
4.00
